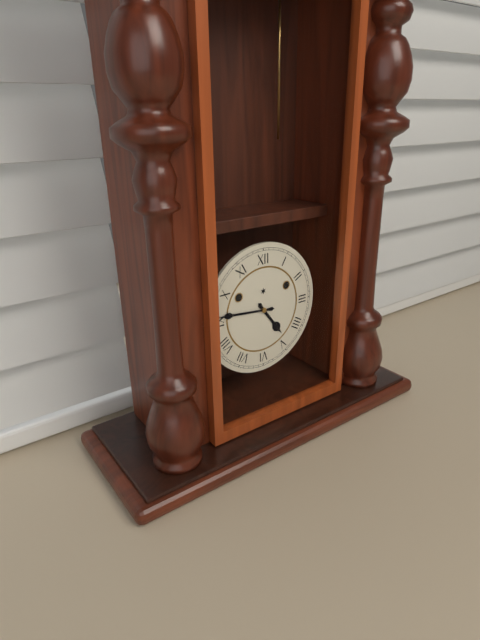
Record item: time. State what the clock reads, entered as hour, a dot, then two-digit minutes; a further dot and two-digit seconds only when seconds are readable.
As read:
4.46
